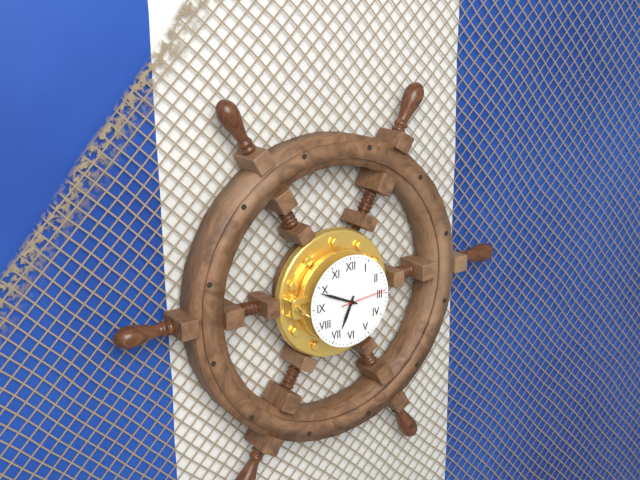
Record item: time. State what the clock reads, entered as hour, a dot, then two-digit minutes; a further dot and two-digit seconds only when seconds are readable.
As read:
6.49
